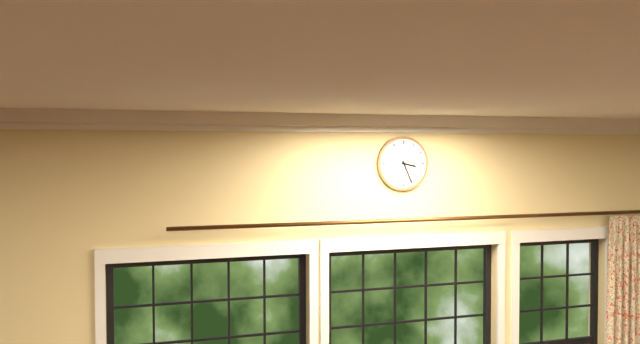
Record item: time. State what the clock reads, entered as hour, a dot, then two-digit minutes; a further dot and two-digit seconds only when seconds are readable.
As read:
3.26
